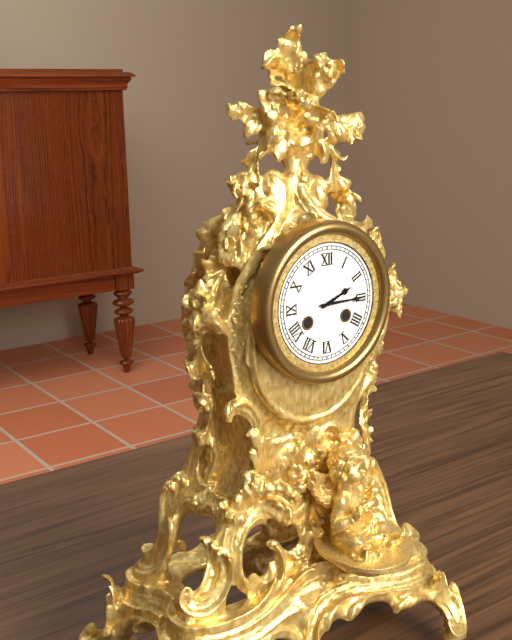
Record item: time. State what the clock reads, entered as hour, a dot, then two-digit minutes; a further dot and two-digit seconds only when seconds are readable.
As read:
2.15
